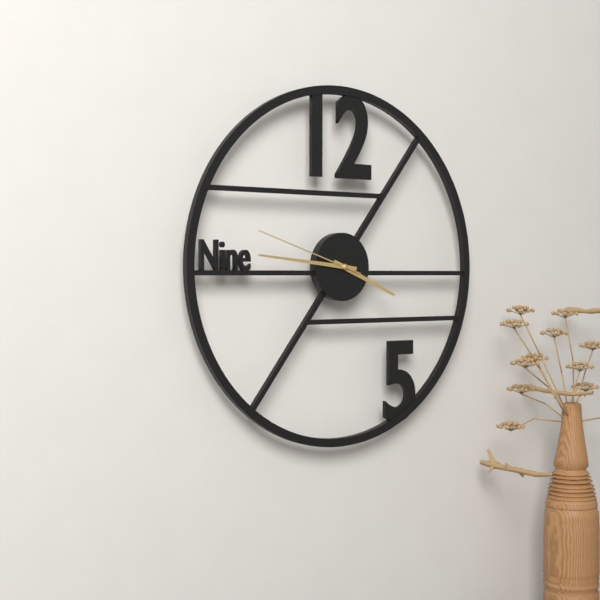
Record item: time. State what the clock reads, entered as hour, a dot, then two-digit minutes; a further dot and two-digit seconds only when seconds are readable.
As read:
3.46.48
